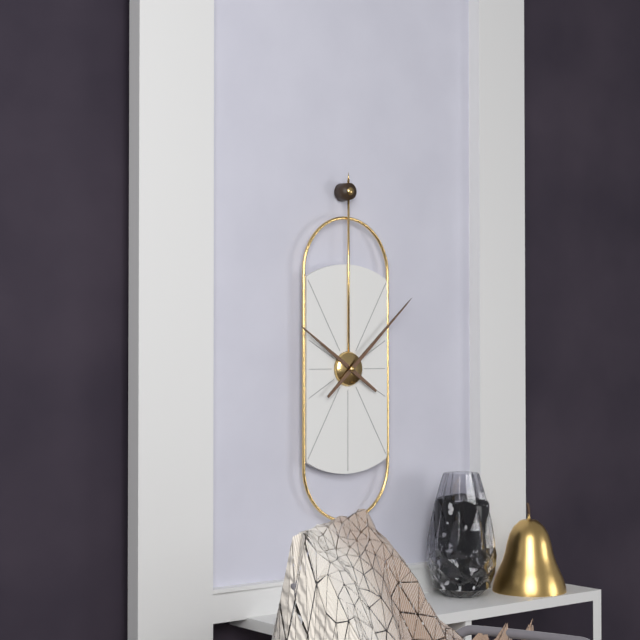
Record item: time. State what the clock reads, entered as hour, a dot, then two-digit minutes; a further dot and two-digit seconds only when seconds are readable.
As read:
10.08
